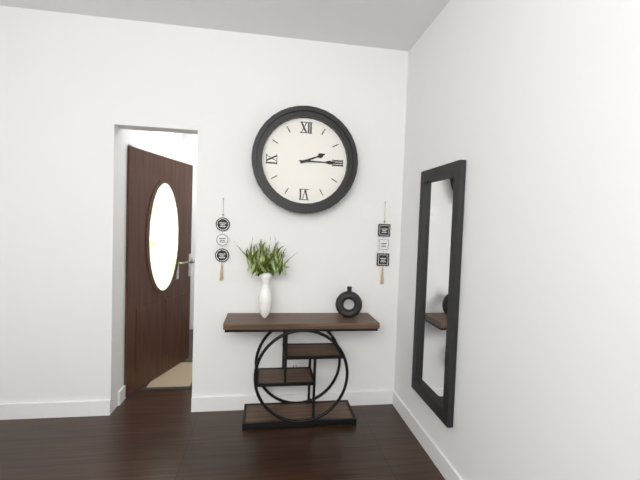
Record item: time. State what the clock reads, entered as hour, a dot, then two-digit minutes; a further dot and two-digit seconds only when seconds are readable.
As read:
2.15
